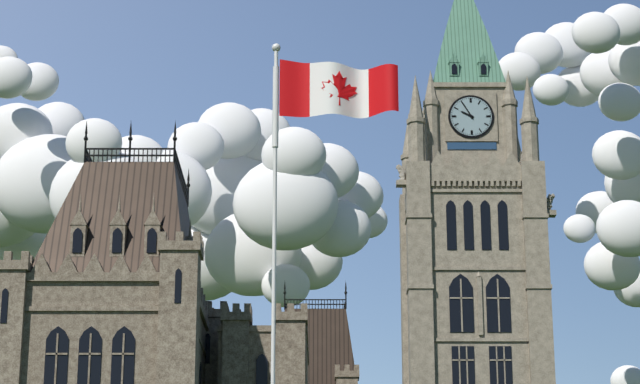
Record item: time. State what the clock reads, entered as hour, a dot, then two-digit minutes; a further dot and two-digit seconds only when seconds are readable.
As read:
9.55
